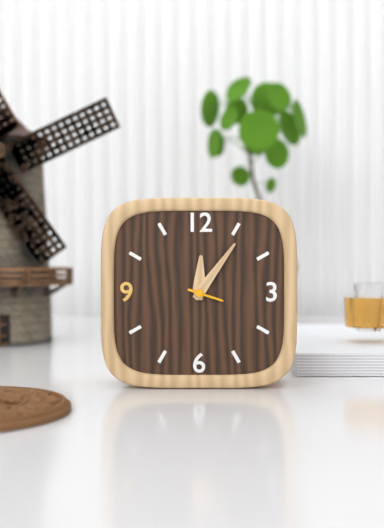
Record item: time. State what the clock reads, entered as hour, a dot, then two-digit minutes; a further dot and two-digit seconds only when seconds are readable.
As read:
12.06
